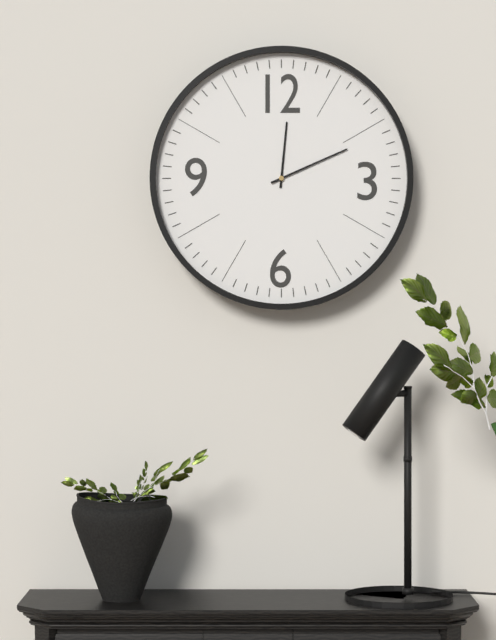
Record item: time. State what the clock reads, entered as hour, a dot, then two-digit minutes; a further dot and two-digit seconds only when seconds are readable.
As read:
12.11
